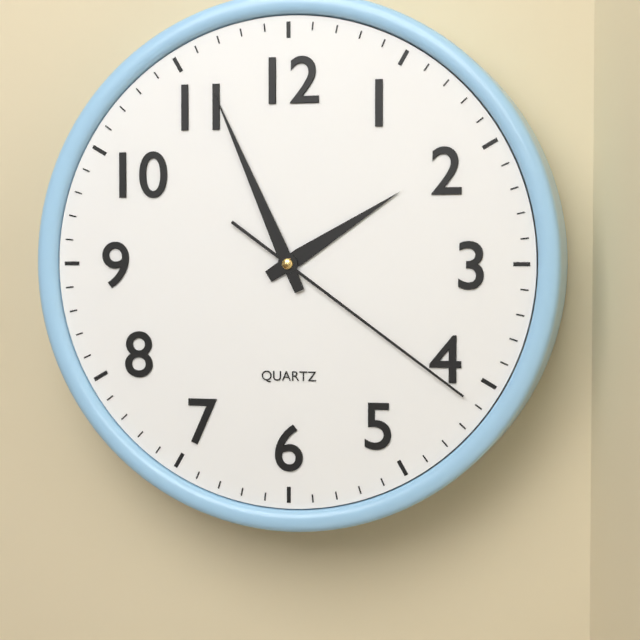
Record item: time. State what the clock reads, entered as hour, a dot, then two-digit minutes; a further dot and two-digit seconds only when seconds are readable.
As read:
1.56.21
